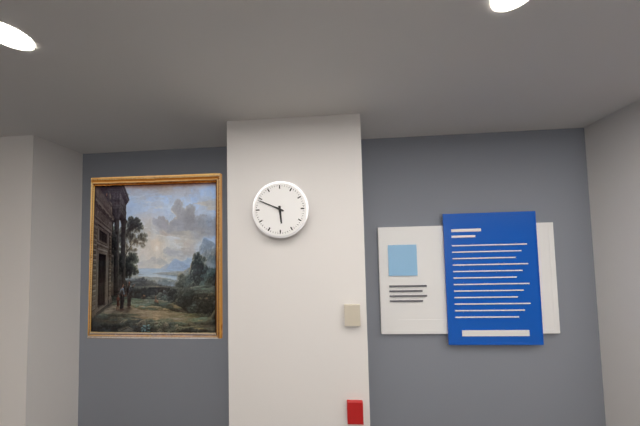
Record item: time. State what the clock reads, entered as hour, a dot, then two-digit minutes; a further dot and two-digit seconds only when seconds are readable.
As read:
5.49
